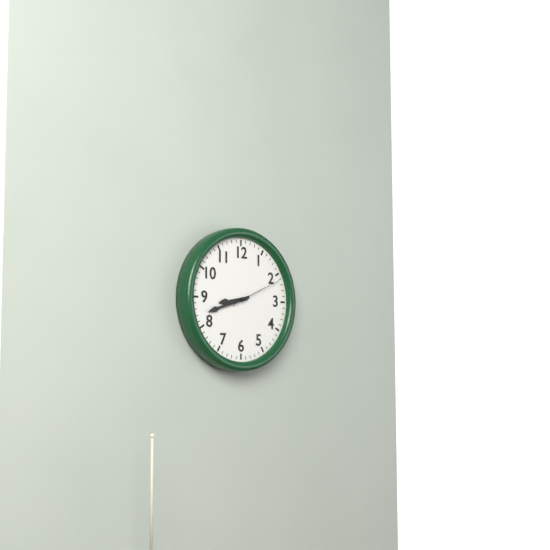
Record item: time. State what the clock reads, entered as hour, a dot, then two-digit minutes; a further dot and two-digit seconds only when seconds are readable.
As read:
8.42.11
